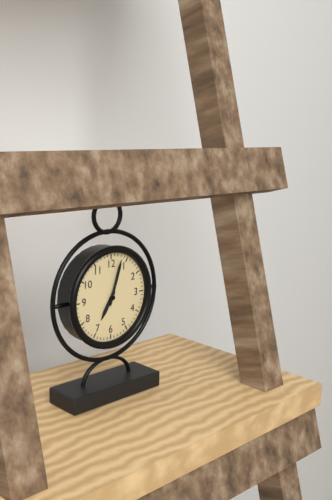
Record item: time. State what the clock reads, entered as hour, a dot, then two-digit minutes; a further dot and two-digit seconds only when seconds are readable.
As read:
7.03
